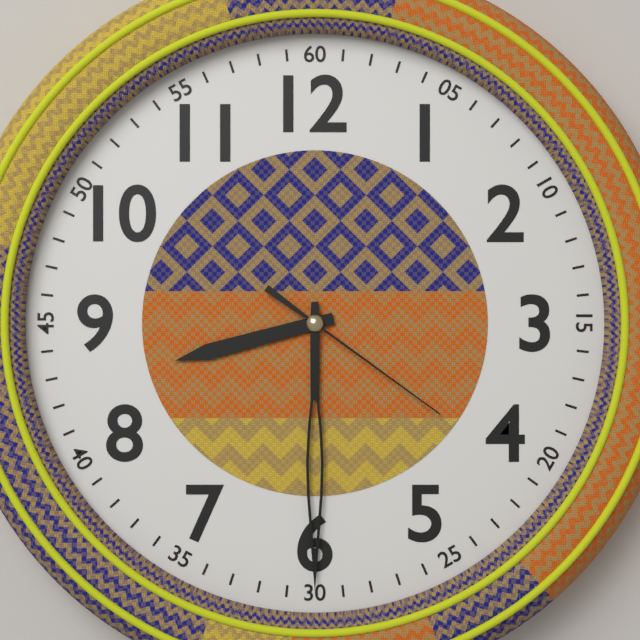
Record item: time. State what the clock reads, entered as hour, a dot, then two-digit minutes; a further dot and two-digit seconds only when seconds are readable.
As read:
8.30.21
